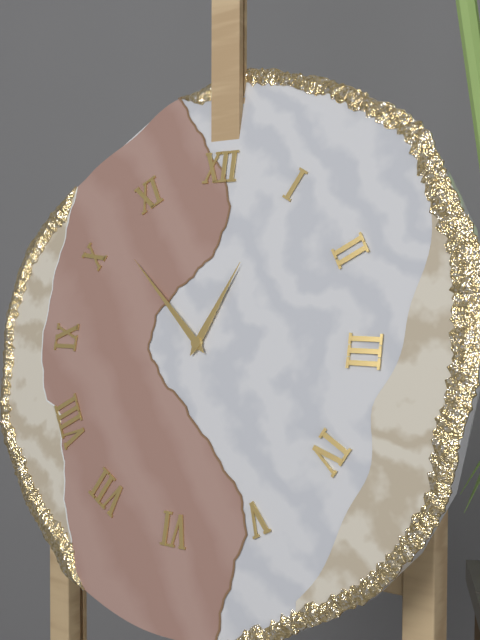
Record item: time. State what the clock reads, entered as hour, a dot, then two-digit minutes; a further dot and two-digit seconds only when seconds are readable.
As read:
12.52
